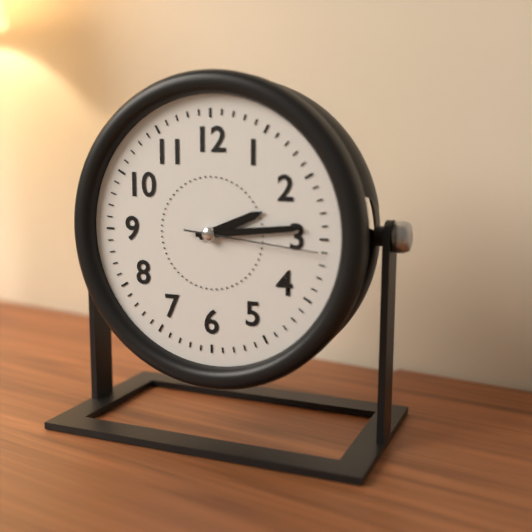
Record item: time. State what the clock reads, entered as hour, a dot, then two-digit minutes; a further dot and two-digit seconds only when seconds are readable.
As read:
2.14.16
